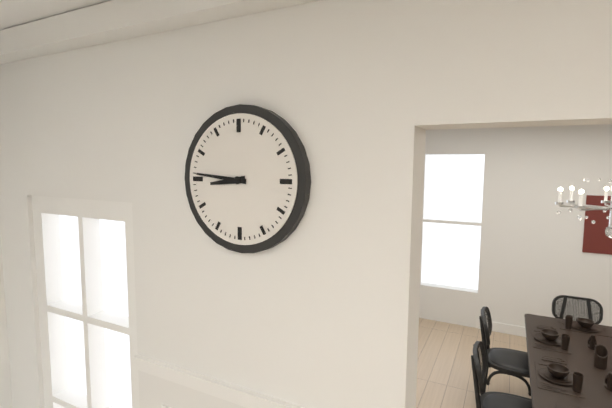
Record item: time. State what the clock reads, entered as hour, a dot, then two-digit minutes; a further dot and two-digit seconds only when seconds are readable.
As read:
8.46
